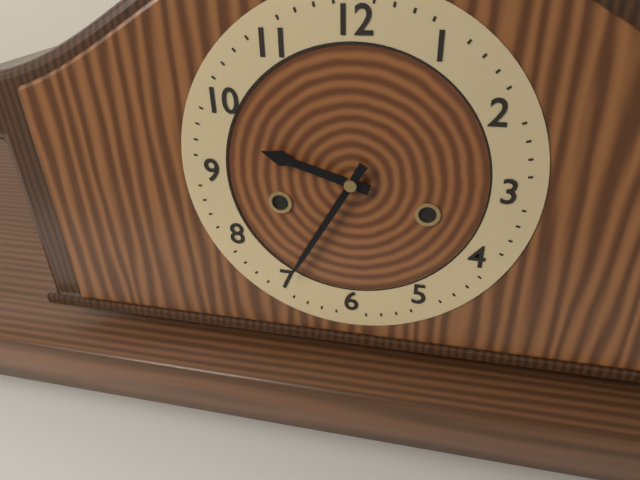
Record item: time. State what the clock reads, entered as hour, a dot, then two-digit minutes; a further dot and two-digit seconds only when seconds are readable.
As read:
9.35
